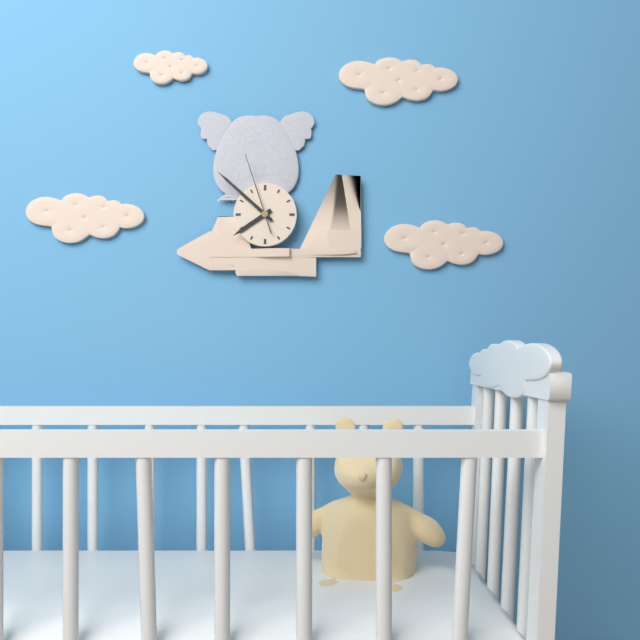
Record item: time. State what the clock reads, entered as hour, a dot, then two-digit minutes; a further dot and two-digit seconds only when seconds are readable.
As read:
7.52.57
